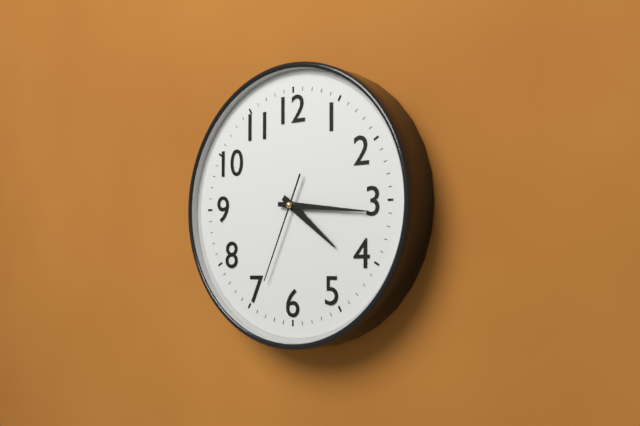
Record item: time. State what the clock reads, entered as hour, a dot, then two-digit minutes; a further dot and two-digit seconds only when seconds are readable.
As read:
4.16.34
